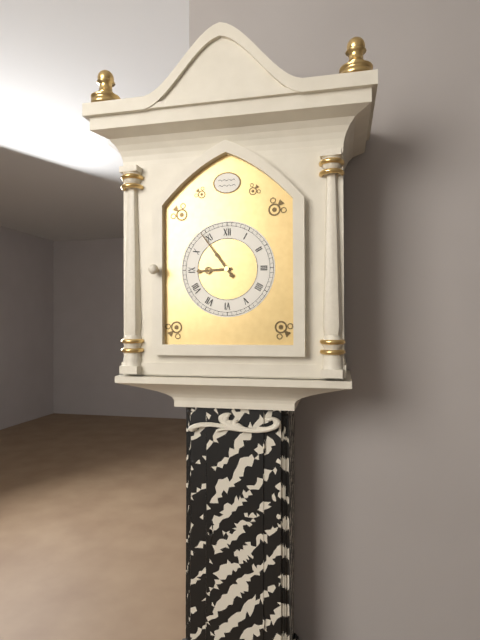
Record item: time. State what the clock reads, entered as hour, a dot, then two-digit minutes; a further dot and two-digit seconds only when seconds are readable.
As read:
8.54
